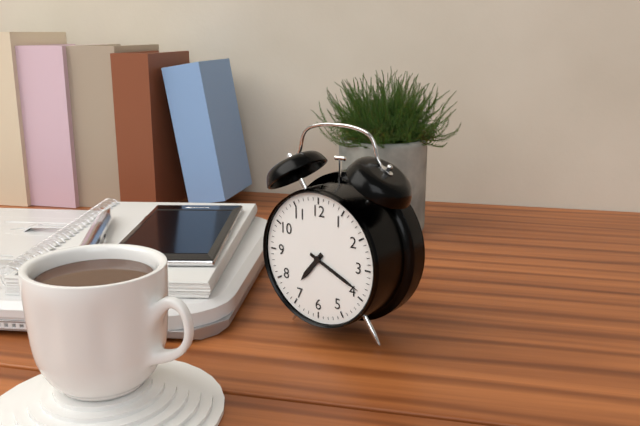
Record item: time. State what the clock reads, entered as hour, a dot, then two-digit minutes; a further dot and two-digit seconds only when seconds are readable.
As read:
7.19
